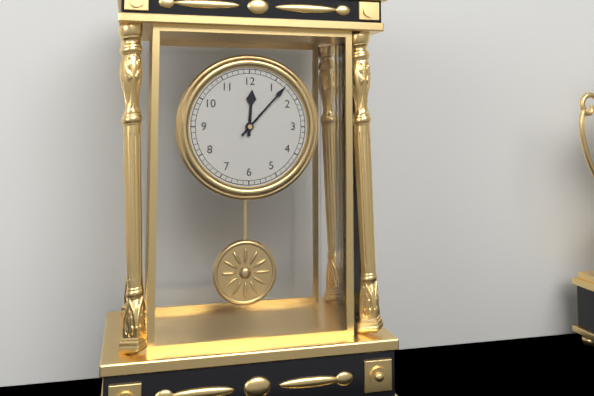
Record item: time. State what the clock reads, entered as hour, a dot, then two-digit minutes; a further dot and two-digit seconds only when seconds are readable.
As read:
12.07
